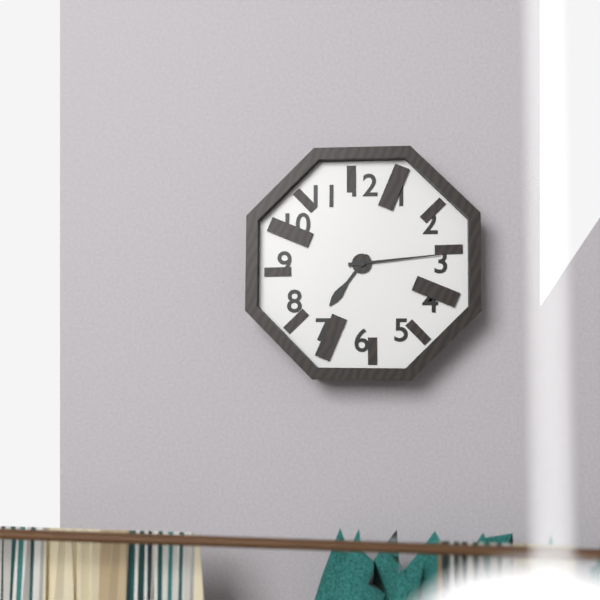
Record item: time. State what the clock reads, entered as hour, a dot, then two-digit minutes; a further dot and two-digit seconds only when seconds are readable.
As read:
7.14
